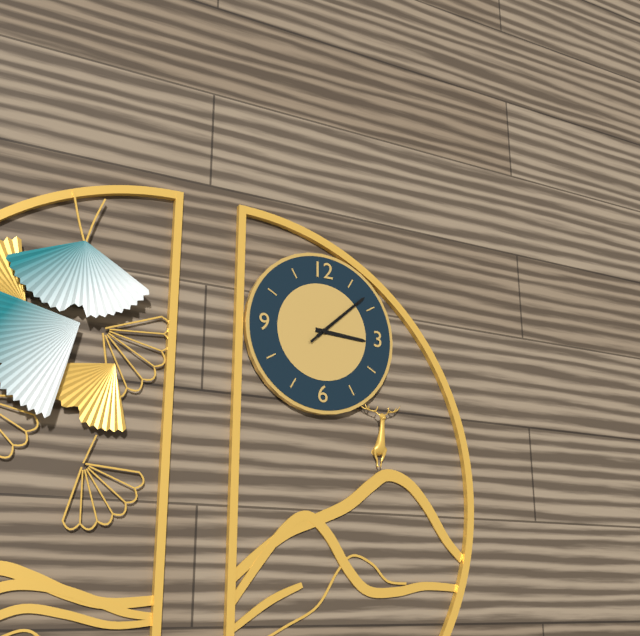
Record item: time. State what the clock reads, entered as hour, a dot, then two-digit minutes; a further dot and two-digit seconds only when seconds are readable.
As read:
3.08.08
